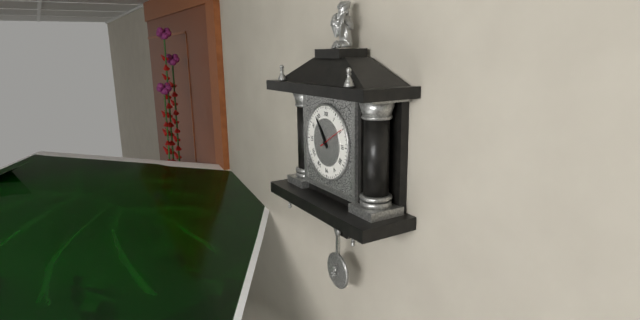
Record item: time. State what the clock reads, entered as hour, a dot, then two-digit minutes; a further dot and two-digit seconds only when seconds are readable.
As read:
10.54
